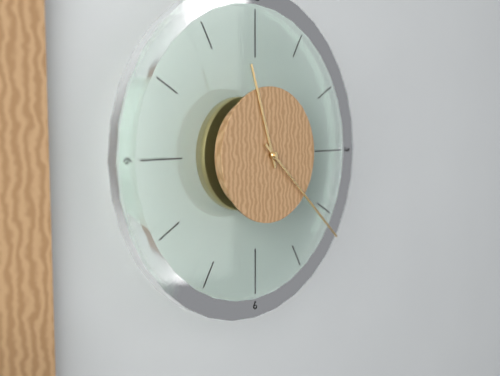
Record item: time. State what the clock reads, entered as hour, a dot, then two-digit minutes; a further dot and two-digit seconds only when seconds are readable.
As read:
11.22
